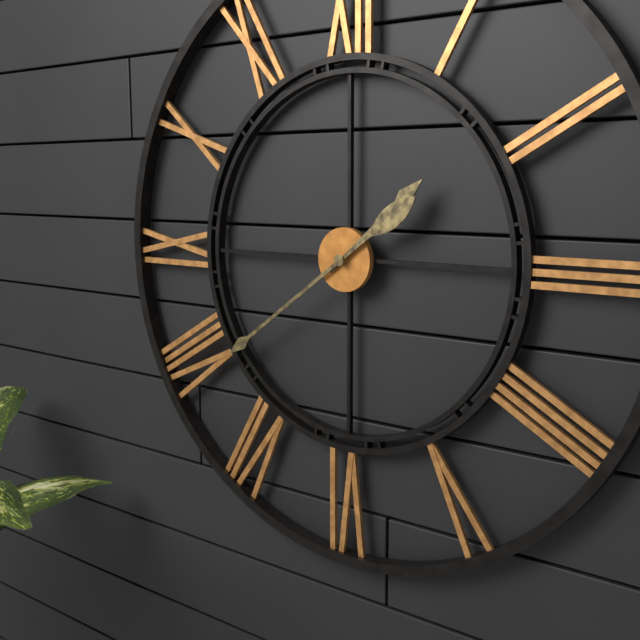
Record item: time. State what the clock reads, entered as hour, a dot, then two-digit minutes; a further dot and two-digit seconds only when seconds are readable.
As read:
1.39
